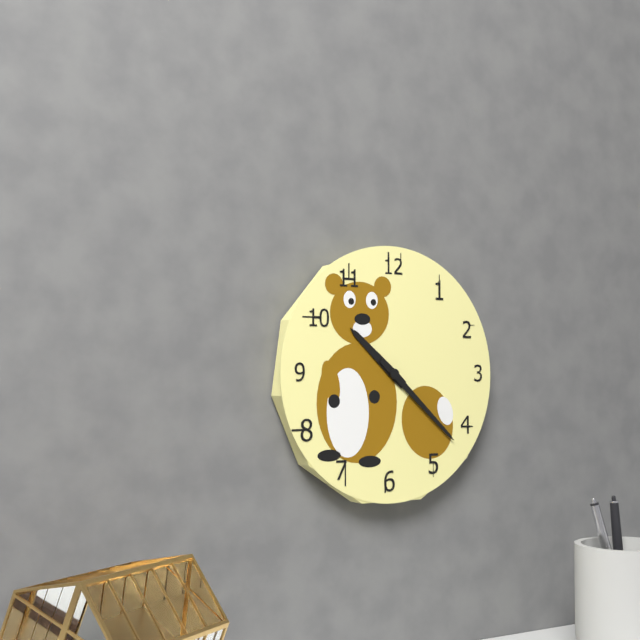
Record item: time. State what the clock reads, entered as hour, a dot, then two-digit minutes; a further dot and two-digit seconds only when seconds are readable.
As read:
10.22
